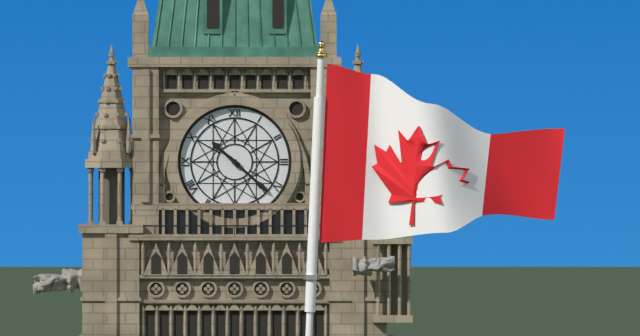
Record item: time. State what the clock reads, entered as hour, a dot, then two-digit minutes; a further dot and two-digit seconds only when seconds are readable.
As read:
10.22
